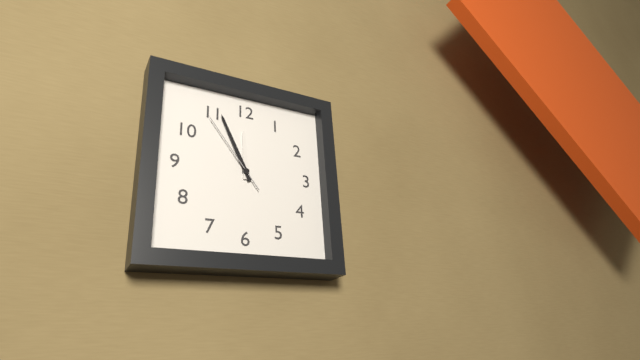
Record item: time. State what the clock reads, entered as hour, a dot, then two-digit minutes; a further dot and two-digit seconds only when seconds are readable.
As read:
11.56.54
